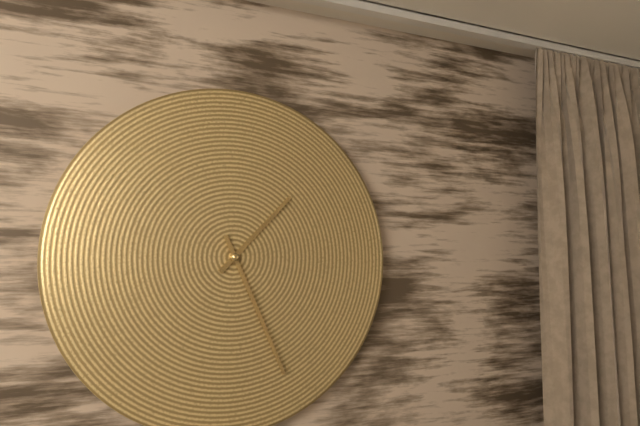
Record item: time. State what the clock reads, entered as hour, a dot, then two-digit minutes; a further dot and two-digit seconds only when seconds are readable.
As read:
1.26
